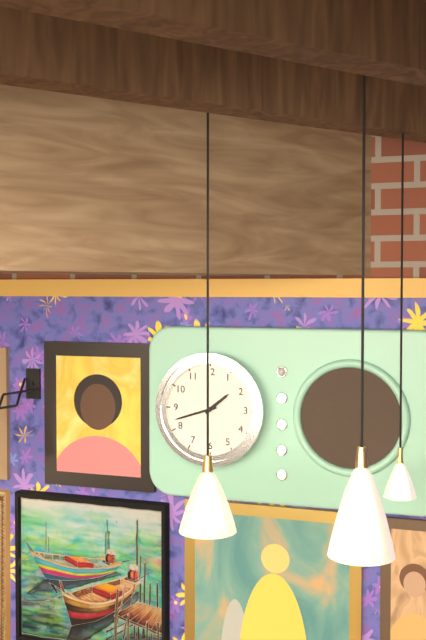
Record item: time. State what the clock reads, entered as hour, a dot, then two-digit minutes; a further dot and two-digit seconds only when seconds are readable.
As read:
1.42
